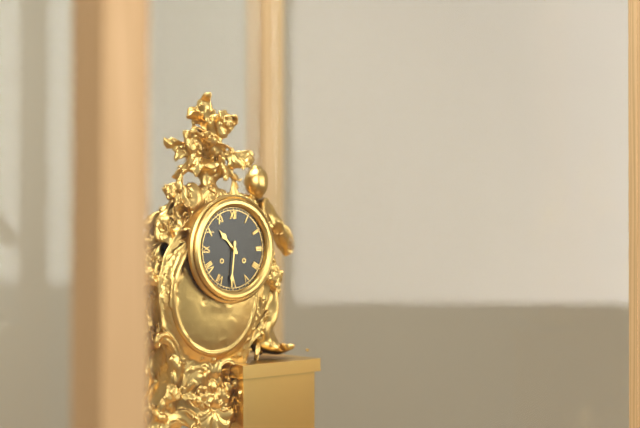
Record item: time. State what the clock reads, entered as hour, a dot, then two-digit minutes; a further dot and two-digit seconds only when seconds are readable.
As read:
10.31
